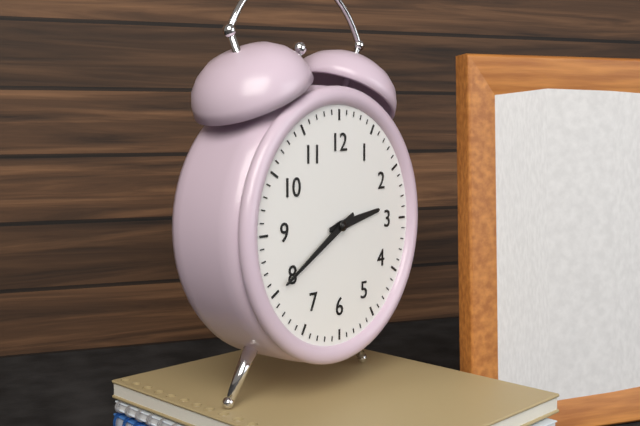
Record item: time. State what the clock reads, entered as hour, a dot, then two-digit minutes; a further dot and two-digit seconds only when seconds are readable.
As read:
2.40
